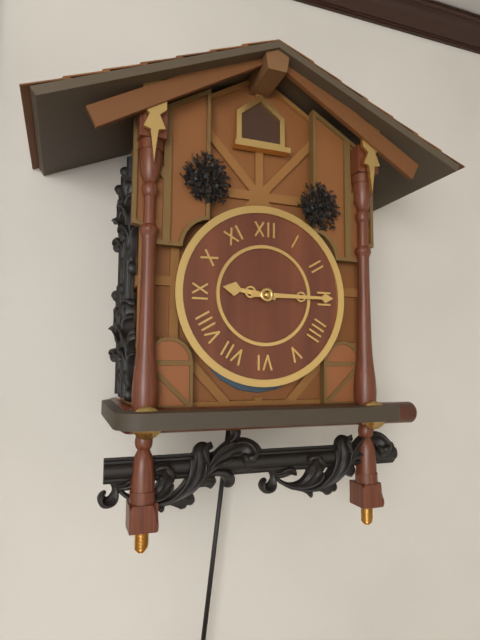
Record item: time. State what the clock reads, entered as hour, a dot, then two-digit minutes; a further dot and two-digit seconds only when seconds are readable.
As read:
9.15
